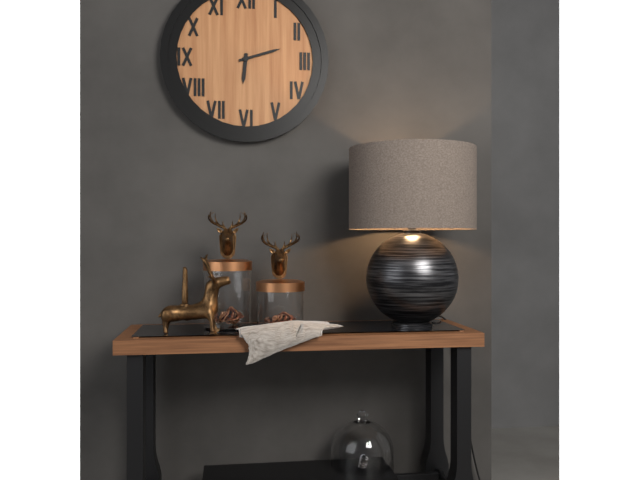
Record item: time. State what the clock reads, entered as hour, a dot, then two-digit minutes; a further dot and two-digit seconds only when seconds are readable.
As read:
6.12
